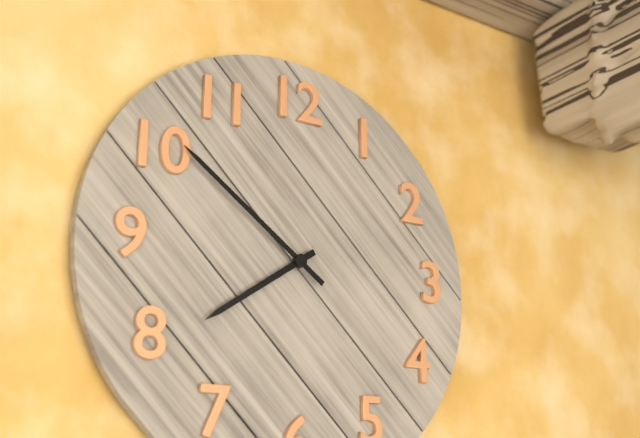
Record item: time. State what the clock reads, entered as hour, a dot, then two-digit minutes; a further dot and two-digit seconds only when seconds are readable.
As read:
7.51
